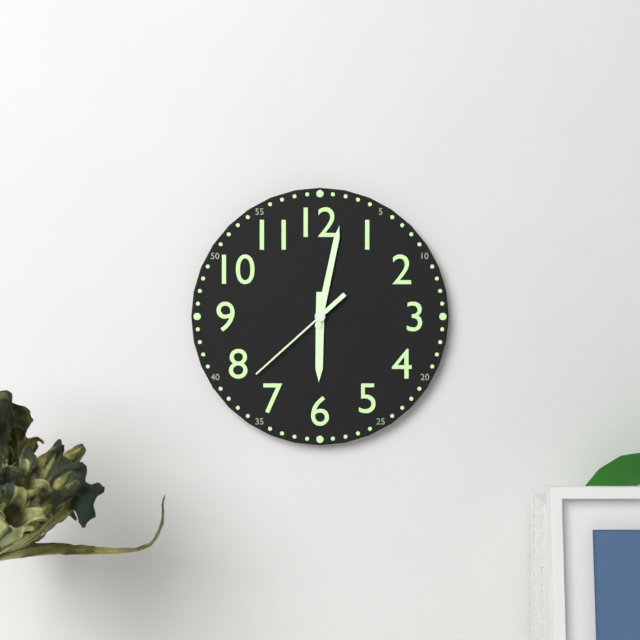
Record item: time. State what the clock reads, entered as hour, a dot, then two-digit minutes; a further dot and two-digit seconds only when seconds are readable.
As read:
6.02.38
